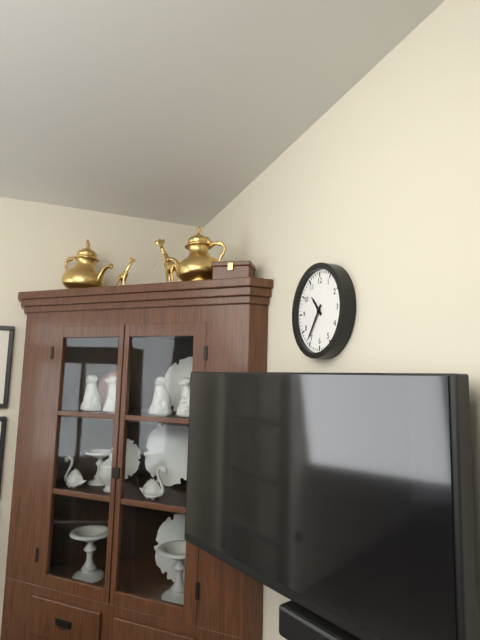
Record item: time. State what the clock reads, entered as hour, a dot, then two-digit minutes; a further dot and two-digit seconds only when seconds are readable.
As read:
10.36
